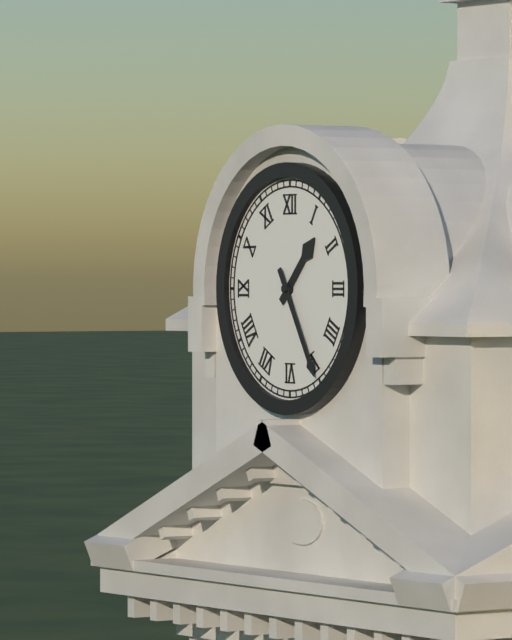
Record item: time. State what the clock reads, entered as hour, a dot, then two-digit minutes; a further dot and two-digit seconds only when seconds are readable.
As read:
1.25
